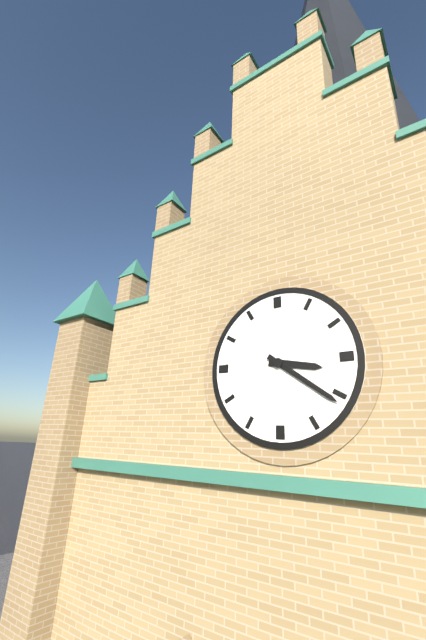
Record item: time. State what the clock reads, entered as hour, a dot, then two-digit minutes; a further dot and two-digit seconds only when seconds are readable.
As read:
3.21
